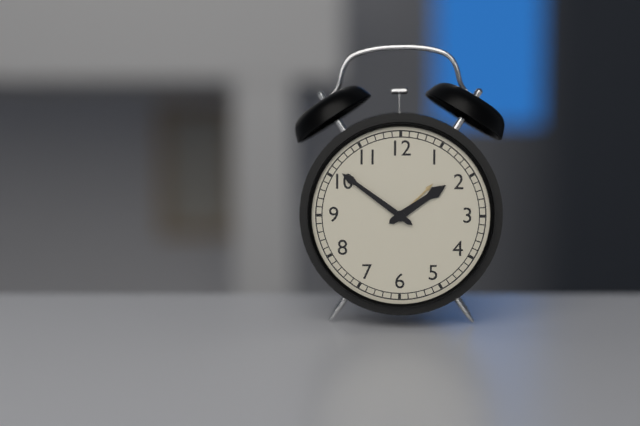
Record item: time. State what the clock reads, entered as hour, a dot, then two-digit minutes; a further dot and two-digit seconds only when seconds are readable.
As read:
1.51
